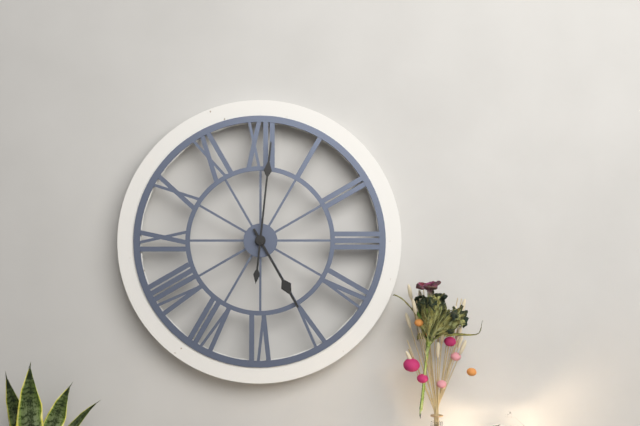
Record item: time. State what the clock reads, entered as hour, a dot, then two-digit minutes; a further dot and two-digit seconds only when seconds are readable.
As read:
5.01
